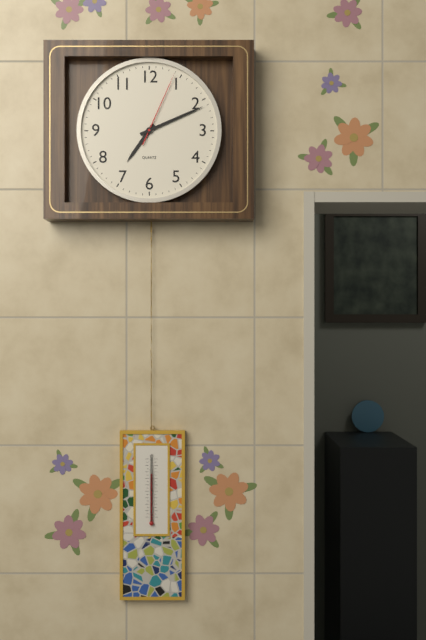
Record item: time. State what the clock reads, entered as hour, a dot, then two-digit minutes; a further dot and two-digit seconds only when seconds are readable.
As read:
7.11.04
